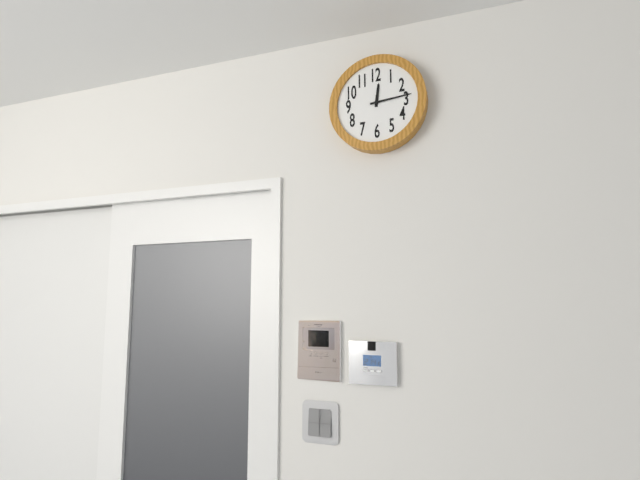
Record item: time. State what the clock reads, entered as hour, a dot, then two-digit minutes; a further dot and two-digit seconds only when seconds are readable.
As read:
12.14
